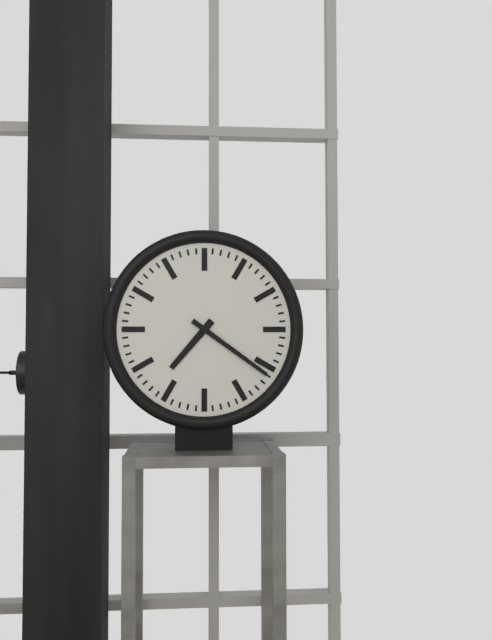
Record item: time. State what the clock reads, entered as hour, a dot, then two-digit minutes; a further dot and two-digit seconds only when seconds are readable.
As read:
7.21
